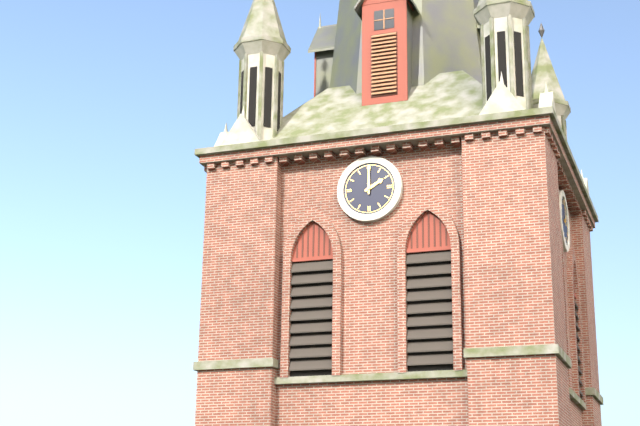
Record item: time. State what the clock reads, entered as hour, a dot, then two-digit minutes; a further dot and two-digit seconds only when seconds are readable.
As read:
2.00
